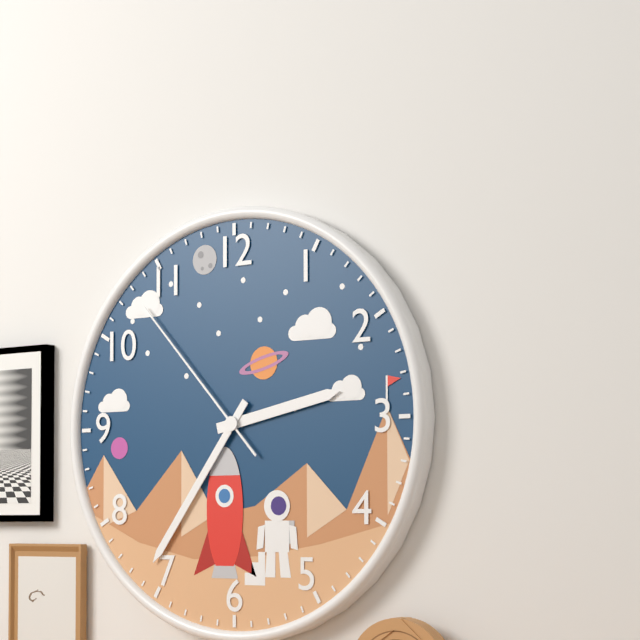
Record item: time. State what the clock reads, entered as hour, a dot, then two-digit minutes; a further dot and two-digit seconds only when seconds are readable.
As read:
2.36.53
